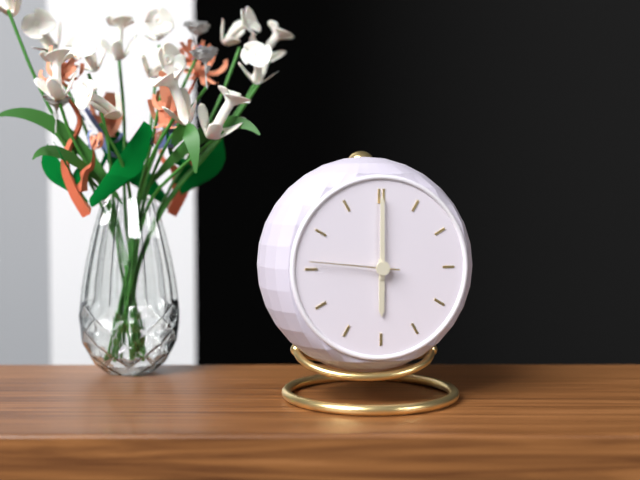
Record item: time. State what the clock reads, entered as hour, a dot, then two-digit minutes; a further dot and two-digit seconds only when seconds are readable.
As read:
6.00.46
